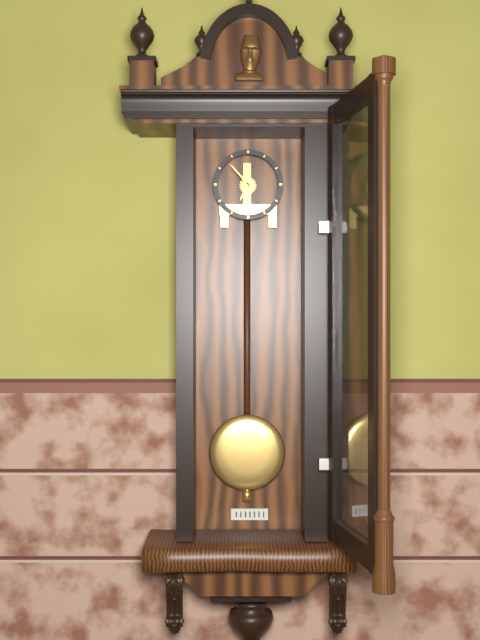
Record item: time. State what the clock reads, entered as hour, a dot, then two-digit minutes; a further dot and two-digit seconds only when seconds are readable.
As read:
6.53
